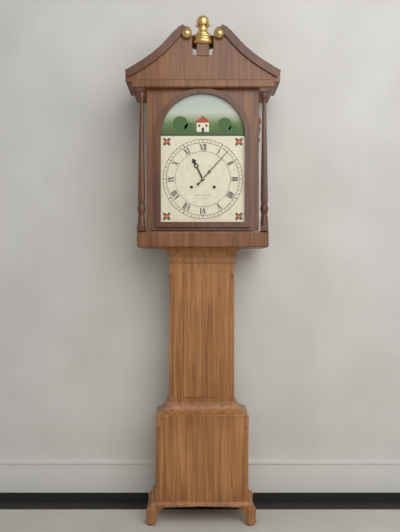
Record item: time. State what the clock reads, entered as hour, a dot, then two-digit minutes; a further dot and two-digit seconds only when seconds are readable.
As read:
11.07
